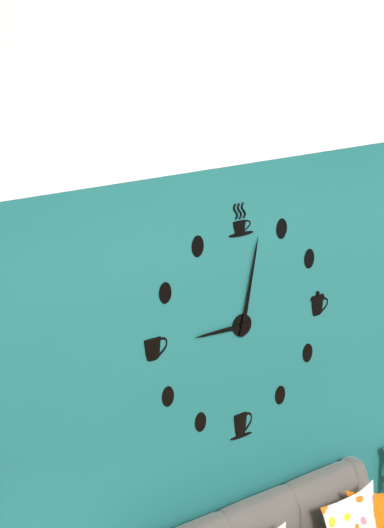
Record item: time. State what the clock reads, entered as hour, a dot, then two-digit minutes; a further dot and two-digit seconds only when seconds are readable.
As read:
9.02
